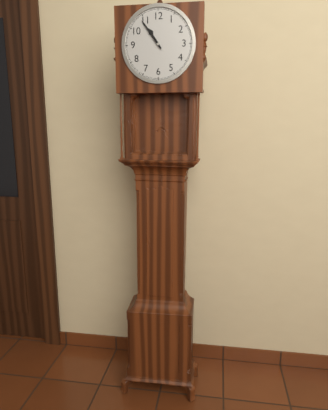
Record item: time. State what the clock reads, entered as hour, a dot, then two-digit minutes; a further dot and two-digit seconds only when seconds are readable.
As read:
10.54
